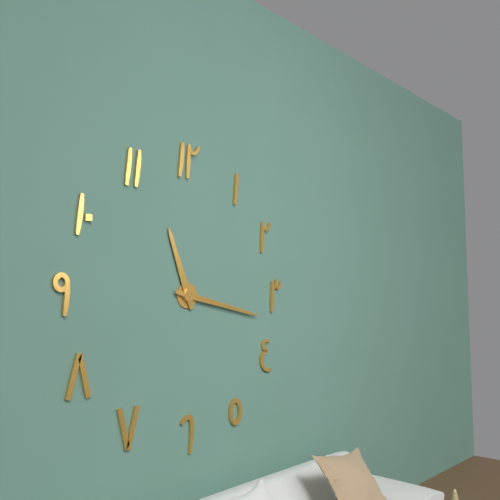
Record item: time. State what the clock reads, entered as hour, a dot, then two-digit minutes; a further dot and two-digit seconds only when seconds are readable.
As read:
11.17
